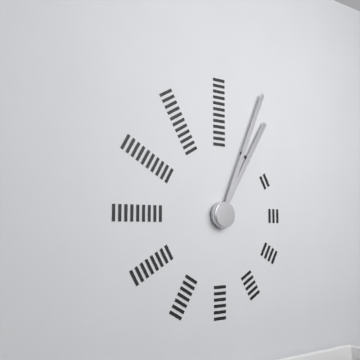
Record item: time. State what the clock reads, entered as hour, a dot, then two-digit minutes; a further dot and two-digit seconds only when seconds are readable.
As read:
1.04
